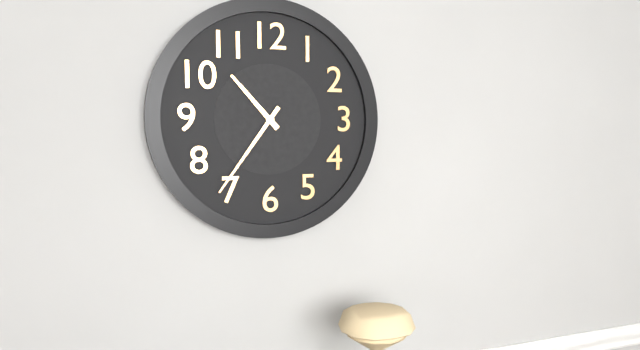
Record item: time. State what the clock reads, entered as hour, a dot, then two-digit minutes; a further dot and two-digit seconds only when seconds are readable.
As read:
10.36
